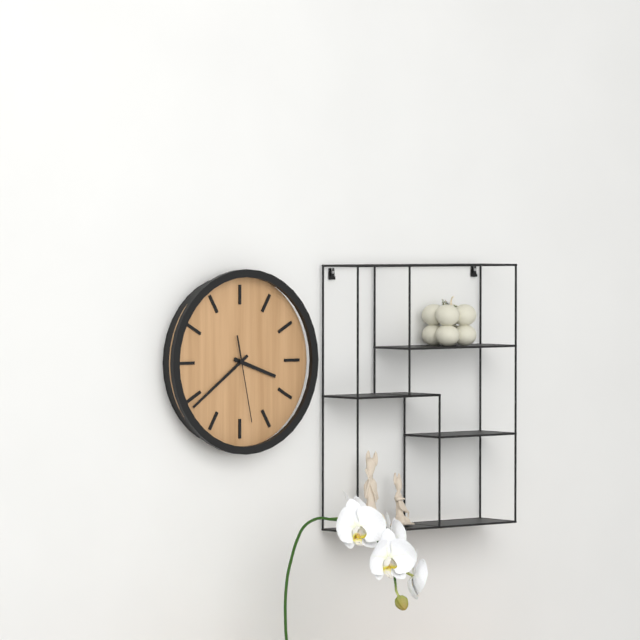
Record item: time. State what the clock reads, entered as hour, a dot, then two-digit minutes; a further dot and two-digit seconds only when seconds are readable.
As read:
3.39.28
